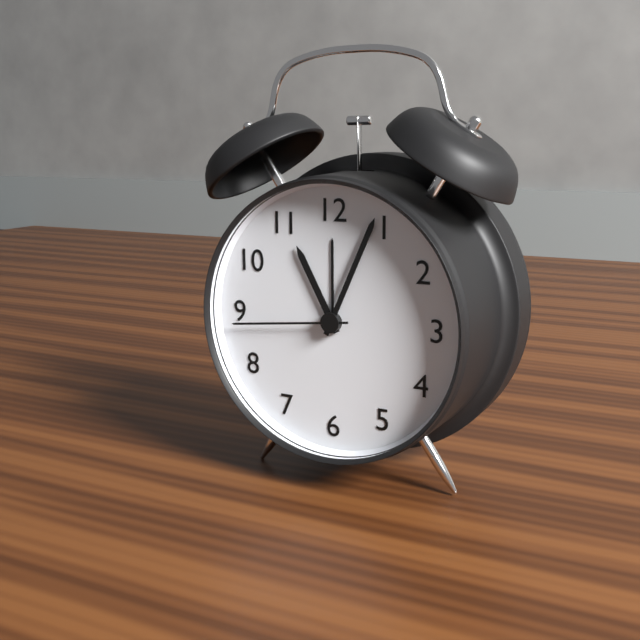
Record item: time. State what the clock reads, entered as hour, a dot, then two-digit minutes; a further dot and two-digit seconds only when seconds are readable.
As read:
11.04.44
